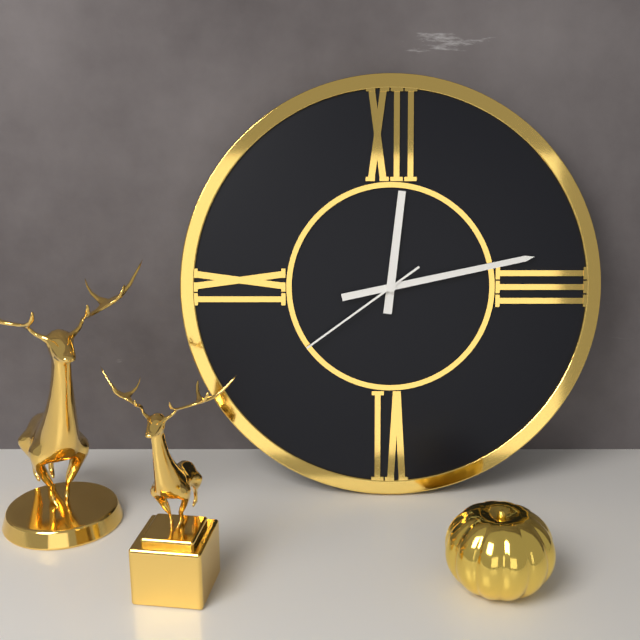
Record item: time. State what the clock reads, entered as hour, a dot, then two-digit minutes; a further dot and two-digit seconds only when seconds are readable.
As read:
12.13.39
